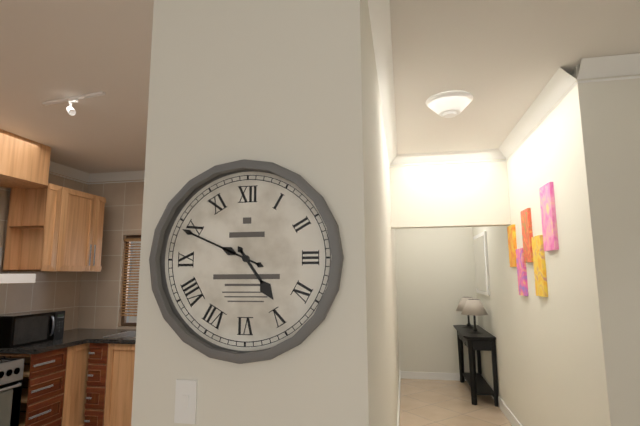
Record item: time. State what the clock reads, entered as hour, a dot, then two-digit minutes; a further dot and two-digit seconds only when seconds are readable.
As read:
4.49
